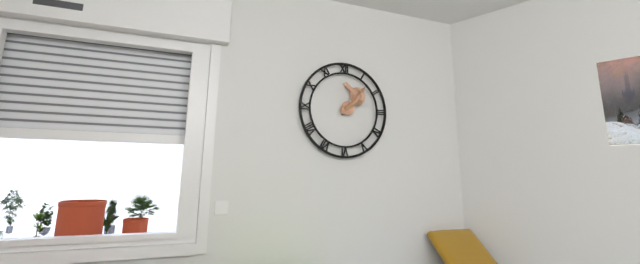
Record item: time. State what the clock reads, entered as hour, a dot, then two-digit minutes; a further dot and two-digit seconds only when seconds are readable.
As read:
2.07
